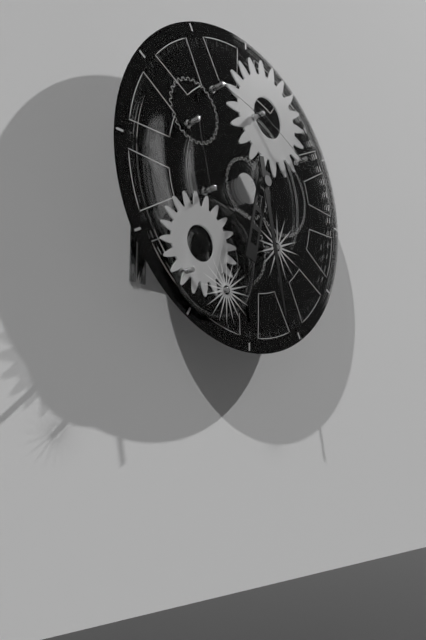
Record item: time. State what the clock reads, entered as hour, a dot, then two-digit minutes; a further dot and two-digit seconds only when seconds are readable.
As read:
6.28
